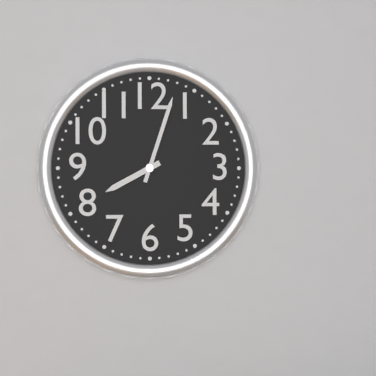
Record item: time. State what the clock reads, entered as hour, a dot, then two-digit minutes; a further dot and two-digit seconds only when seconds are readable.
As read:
8.03
